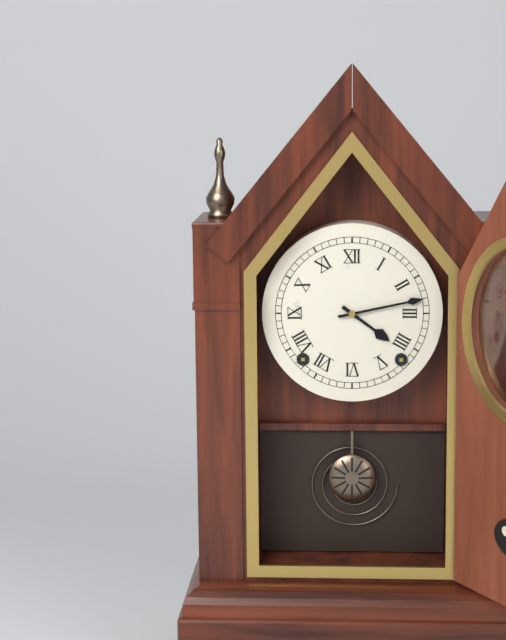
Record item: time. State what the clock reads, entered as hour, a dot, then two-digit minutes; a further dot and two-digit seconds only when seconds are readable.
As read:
4.13
